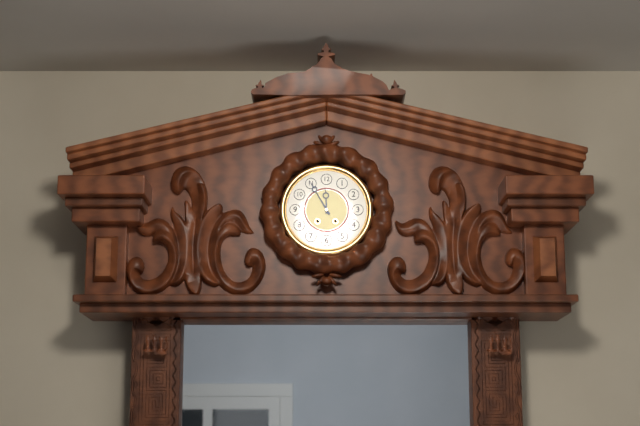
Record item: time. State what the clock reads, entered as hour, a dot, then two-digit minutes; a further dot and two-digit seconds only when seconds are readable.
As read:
11.55
